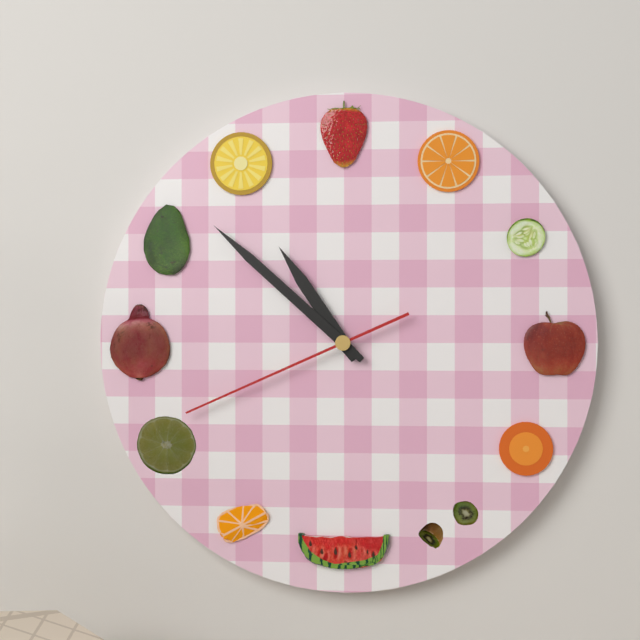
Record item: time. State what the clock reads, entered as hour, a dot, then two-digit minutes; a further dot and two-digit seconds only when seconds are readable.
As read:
10.52.41
